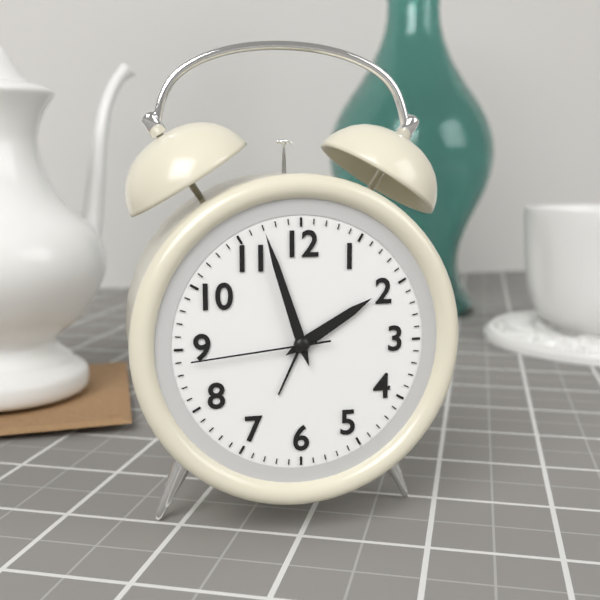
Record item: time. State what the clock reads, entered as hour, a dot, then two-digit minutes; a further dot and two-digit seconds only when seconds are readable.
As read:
1.57.44
